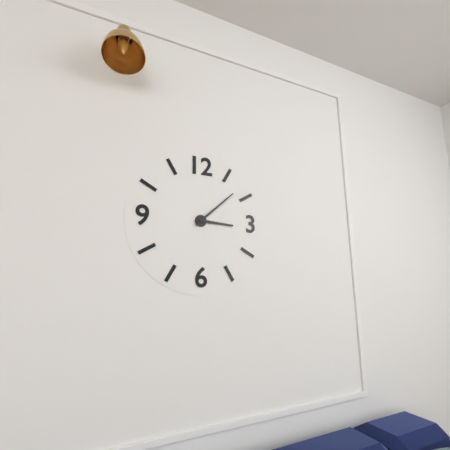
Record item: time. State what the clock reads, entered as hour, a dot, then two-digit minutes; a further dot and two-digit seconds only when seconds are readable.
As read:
3.08
